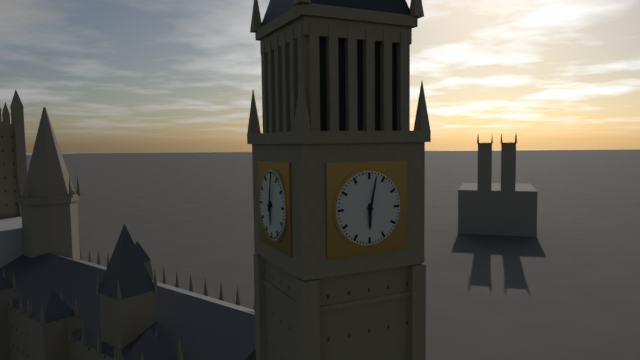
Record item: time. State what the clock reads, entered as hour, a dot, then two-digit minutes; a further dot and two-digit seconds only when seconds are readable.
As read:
6.02
